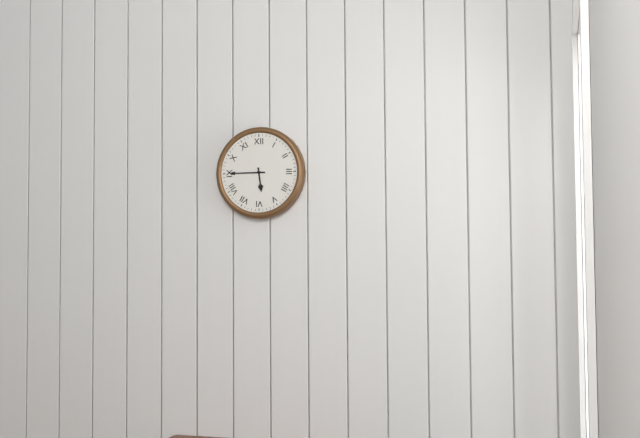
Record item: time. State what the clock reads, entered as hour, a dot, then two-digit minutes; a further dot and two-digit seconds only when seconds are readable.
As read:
5.45
